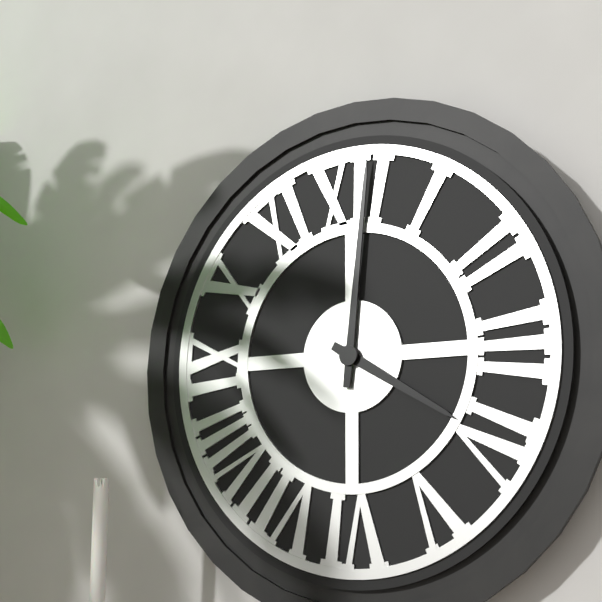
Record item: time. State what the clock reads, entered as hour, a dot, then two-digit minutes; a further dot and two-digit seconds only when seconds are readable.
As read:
4.01
